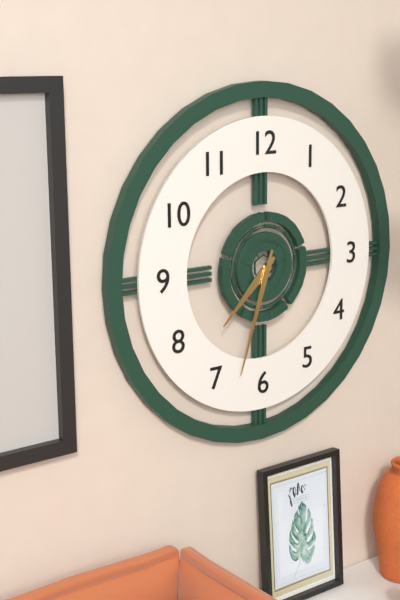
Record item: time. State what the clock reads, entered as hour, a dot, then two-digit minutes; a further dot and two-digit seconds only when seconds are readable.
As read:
7.33
